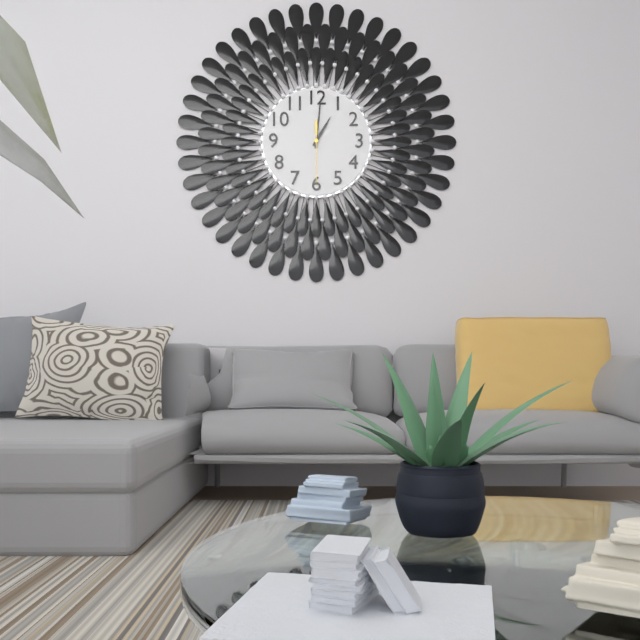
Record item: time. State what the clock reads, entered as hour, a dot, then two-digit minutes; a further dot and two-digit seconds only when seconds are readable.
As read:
1.01.30
